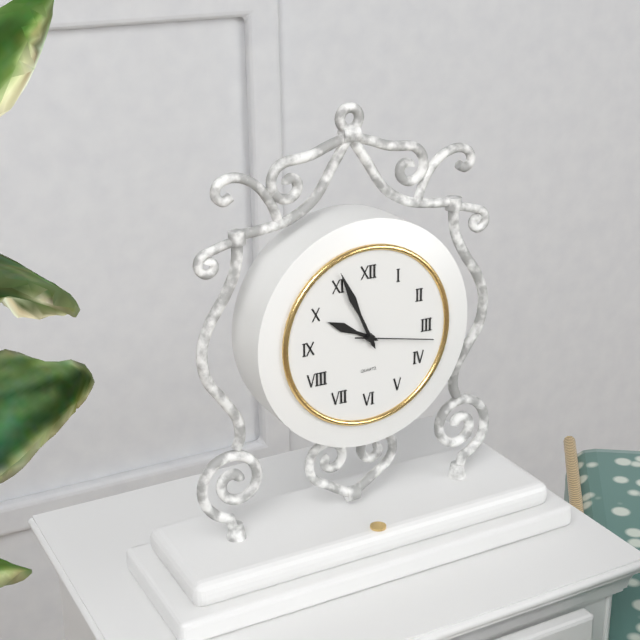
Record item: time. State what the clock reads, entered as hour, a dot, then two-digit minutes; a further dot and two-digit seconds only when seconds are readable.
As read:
9.56.17
